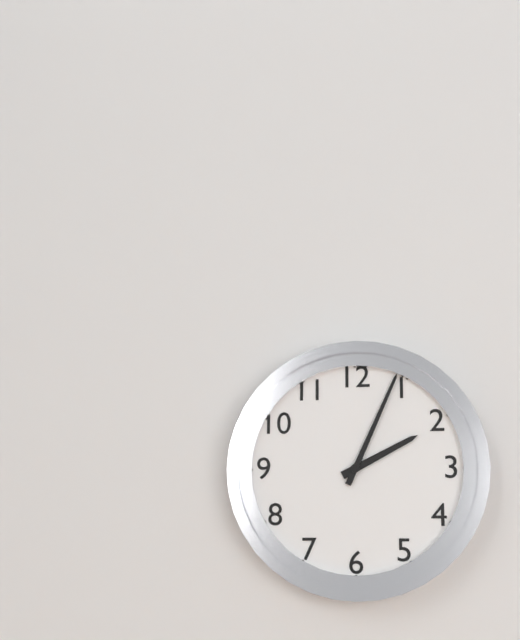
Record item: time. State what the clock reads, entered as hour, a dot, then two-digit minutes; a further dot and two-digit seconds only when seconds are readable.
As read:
2.04
